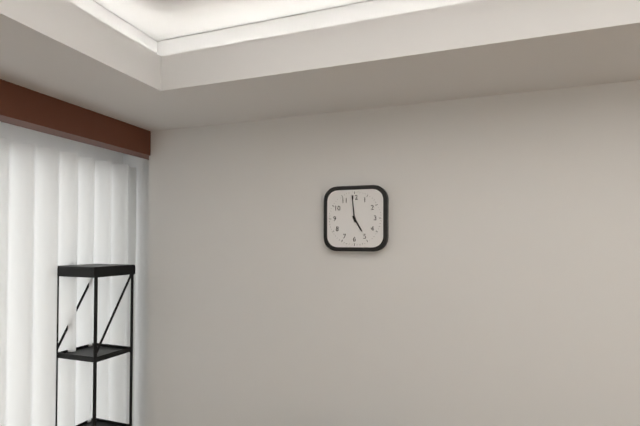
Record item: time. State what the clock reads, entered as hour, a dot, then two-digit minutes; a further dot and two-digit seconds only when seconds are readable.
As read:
4.59
